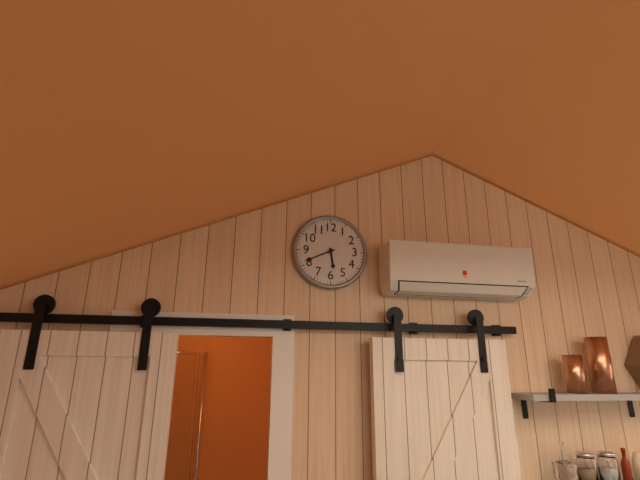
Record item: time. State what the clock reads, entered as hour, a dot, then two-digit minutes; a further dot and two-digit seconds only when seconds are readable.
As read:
5.41
